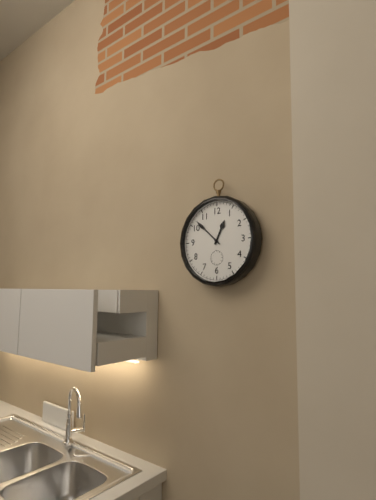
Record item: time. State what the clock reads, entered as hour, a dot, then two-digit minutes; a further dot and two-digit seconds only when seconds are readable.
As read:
12.52
